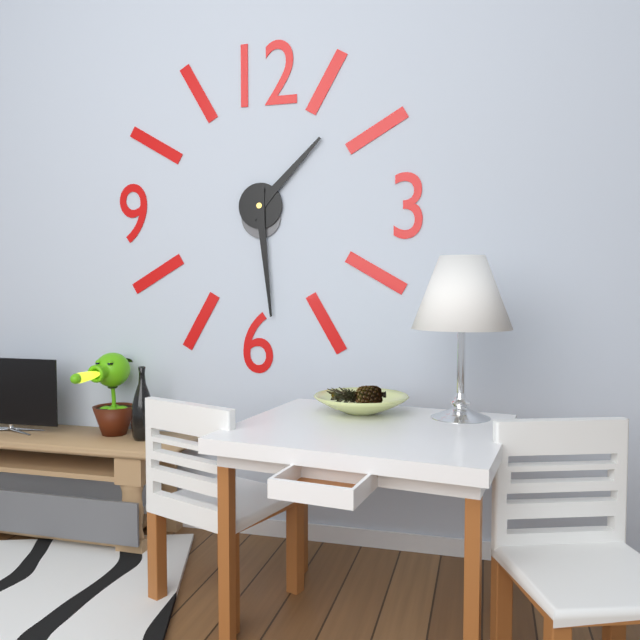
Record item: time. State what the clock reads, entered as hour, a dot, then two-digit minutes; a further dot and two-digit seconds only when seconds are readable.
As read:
1.29
